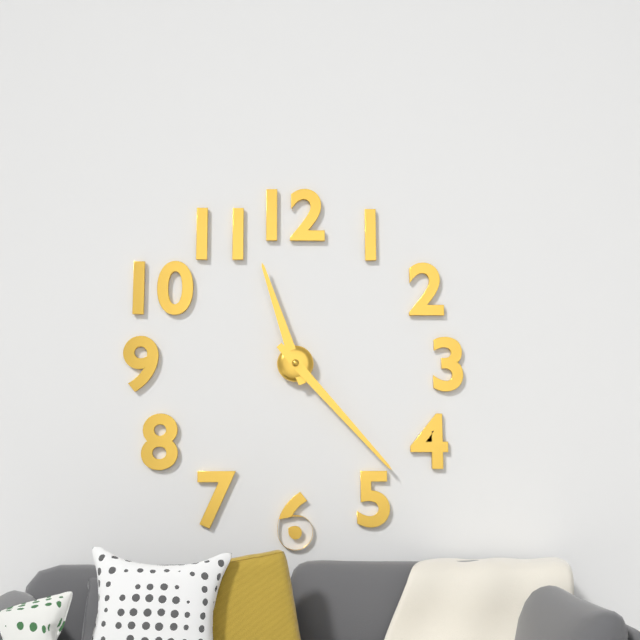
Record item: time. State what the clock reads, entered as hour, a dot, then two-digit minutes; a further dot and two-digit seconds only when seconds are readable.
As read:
11.23
